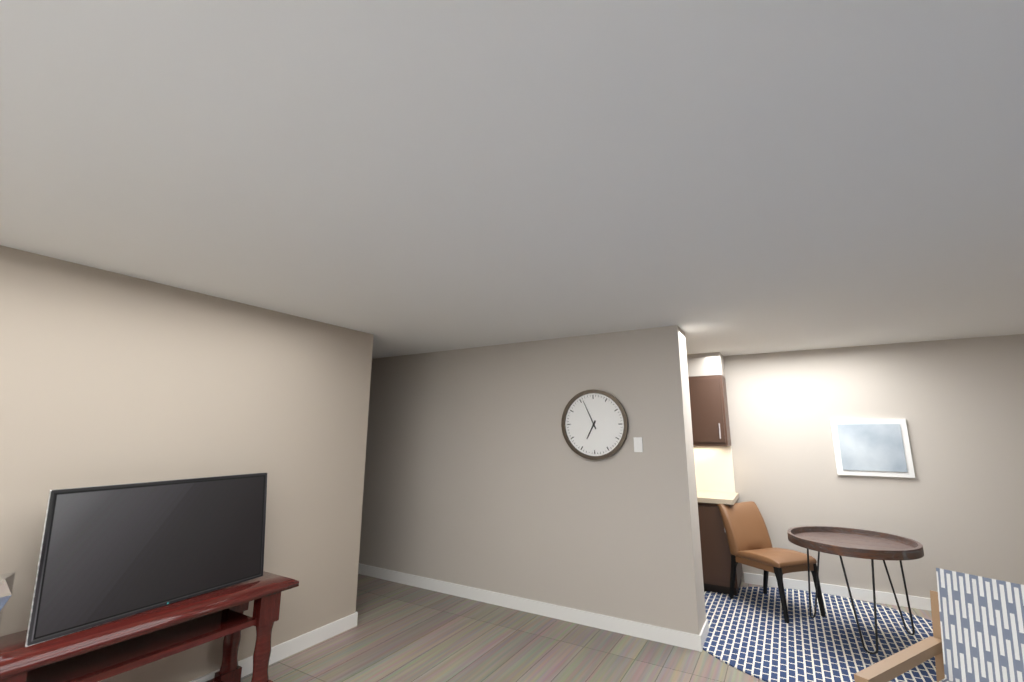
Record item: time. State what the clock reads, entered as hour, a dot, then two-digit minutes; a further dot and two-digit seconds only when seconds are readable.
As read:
6.56
